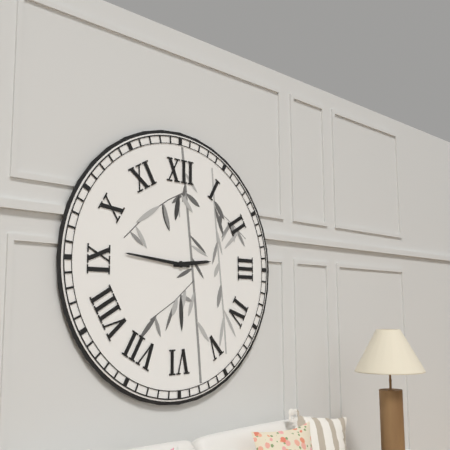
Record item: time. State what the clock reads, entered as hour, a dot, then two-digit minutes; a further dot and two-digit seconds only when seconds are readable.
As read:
2.46
